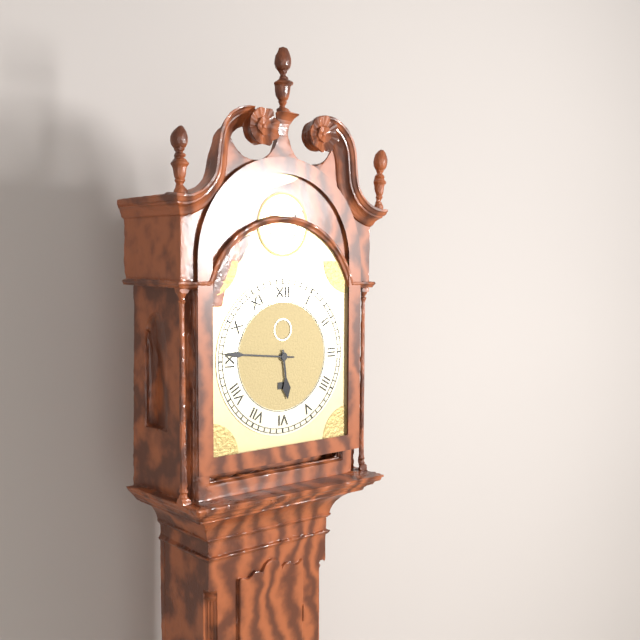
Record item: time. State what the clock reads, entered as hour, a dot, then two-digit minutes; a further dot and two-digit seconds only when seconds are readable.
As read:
5.46
